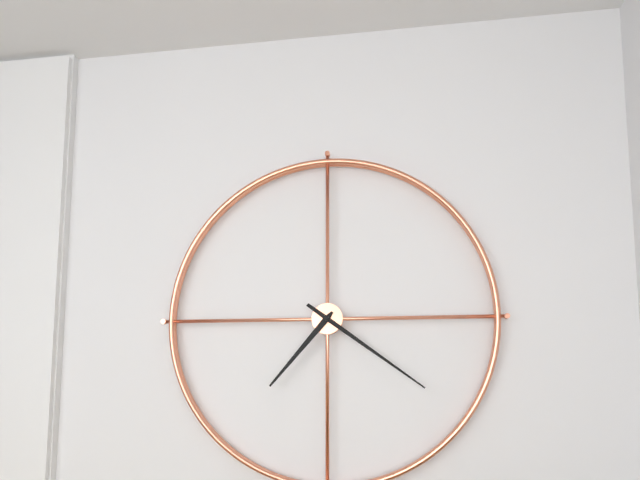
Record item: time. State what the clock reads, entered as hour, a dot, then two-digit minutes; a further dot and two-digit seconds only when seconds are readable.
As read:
7.21
